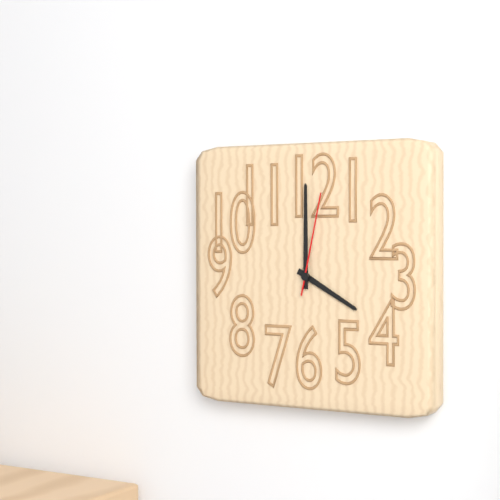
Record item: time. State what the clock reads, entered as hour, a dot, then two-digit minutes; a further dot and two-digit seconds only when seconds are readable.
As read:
4.00.02
